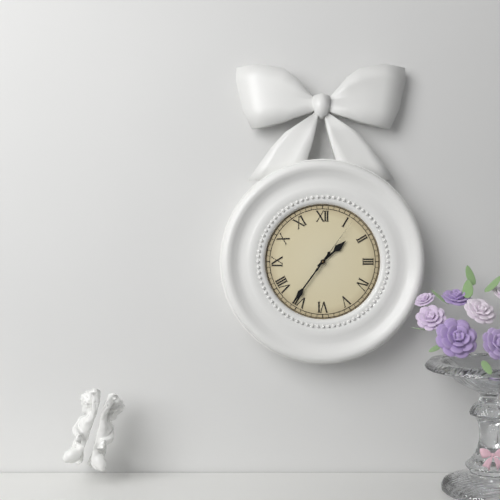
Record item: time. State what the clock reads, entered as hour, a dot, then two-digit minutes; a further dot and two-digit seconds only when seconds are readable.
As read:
1.36.06
